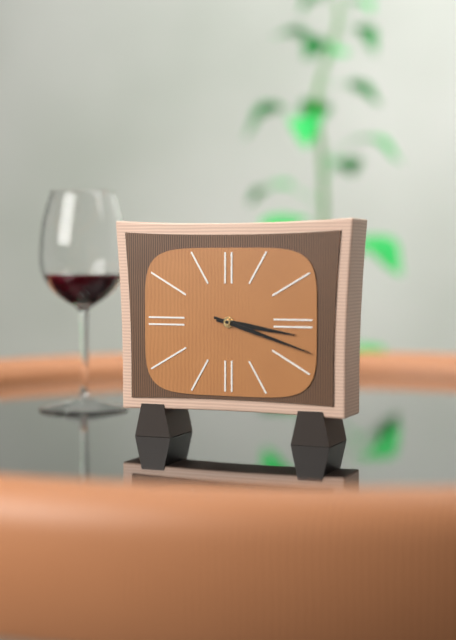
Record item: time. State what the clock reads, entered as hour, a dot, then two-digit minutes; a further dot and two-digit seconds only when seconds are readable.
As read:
3.18
